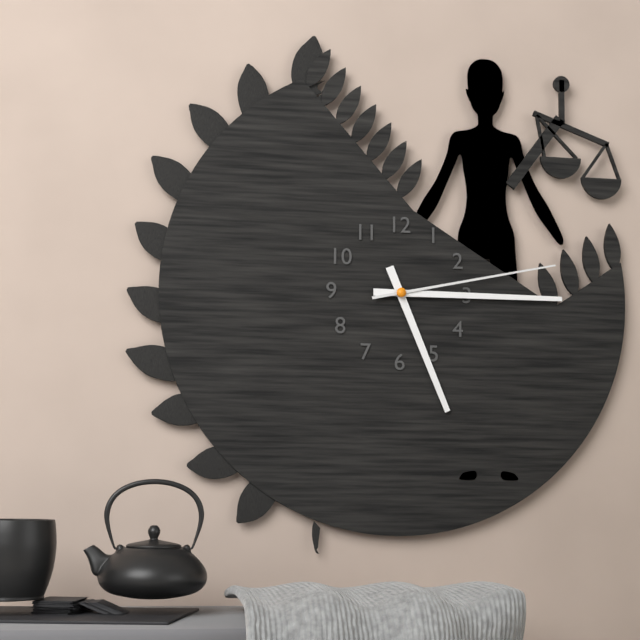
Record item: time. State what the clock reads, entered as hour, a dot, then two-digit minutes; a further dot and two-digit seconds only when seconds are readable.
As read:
5.15.13
